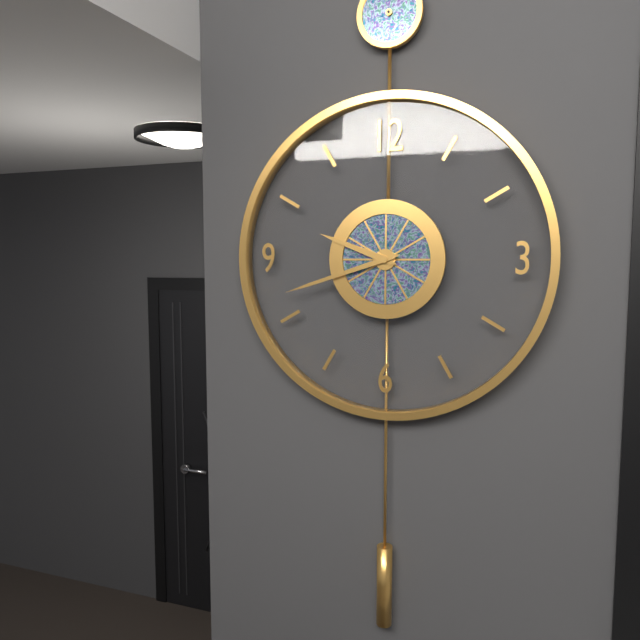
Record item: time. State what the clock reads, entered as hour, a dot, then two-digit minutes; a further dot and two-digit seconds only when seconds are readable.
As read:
9.42
